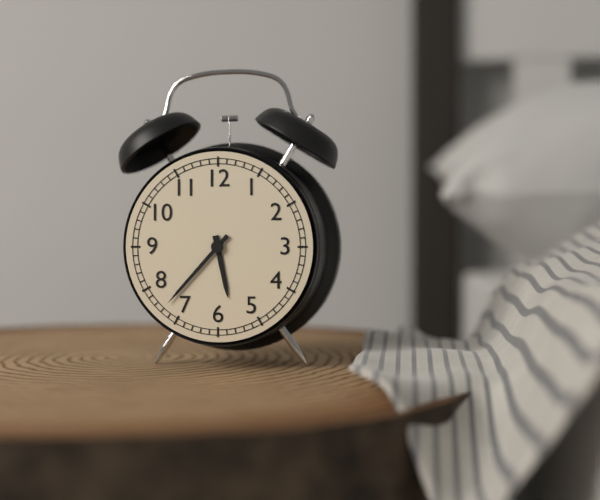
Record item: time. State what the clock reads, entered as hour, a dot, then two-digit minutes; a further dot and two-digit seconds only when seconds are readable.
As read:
5.37
